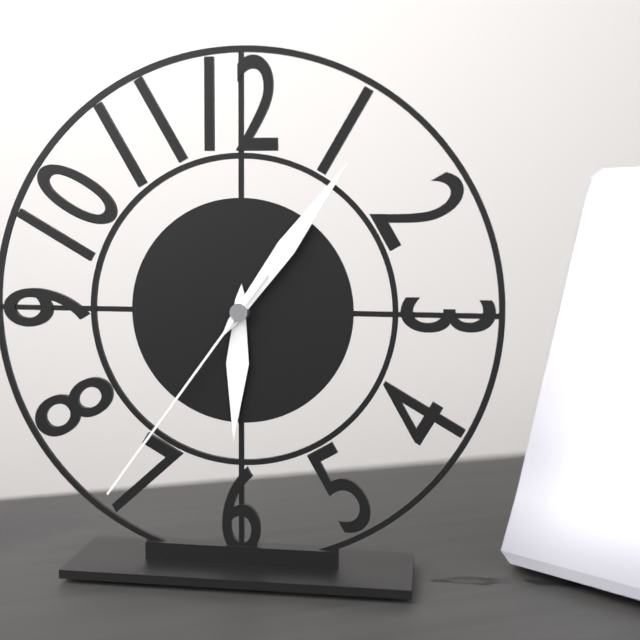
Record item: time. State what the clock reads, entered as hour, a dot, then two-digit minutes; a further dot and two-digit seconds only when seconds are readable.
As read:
6.06.36
